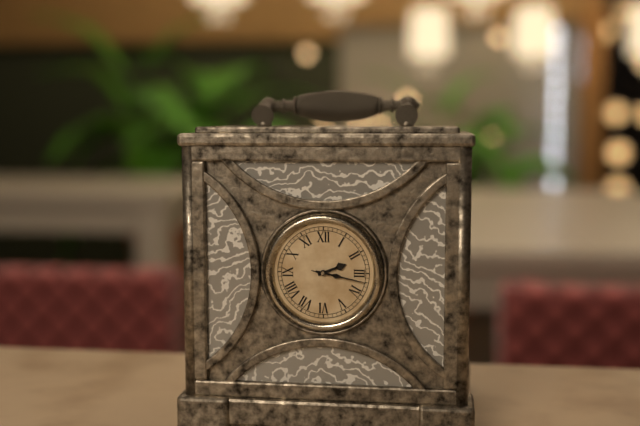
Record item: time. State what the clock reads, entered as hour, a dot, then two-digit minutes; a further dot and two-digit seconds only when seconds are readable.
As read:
2.17.17
